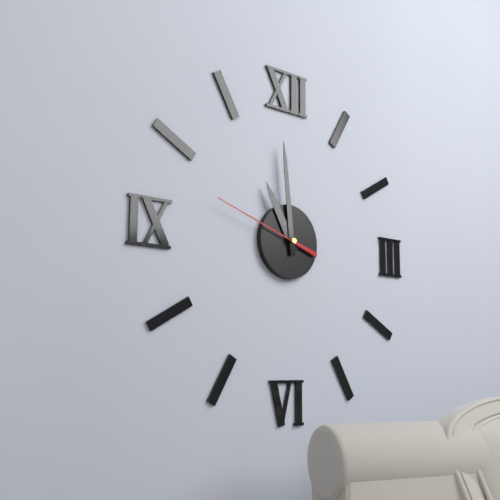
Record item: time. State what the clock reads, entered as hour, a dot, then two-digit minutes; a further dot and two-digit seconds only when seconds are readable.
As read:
10.59.48
